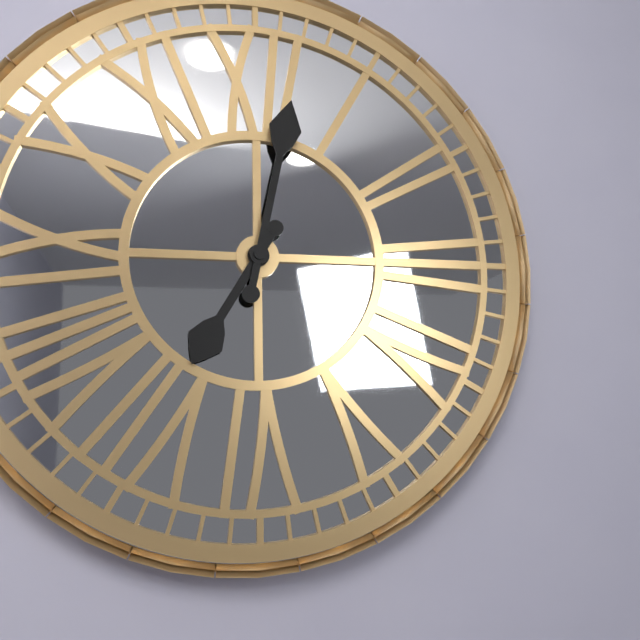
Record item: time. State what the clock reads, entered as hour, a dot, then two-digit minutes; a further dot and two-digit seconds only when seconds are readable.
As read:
7.02
